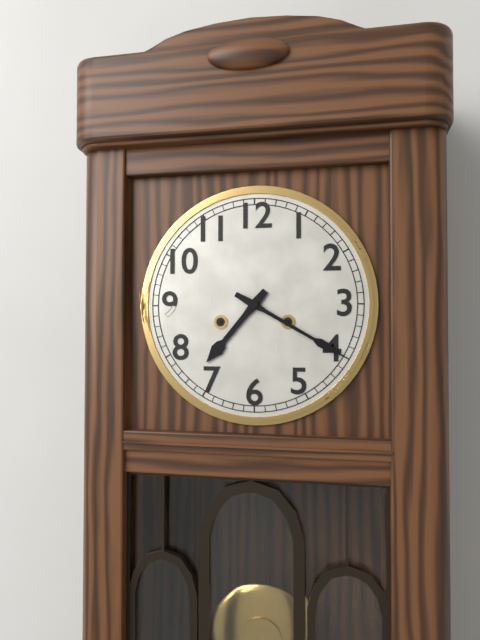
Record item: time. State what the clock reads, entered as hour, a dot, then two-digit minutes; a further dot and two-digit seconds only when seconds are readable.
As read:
7.20
